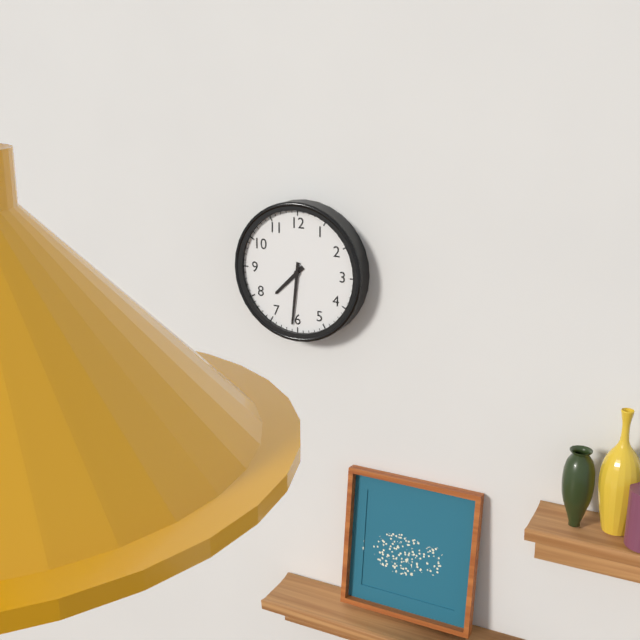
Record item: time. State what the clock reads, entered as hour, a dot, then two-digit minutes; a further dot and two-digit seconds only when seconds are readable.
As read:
7.31
